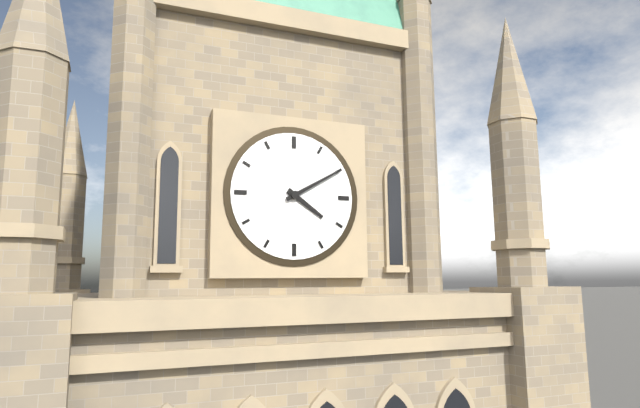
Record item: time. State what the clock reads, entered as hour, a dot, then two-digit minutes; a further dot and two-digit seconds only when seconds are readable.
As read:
4.10
